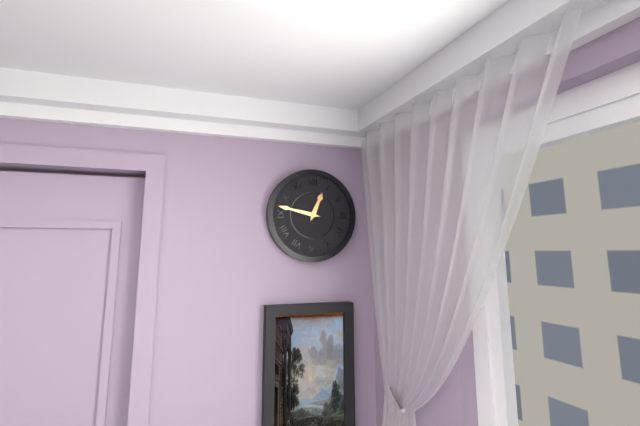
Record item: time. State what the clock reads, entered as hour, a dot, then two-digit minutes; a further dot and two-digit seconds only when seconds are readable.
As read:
12.47
